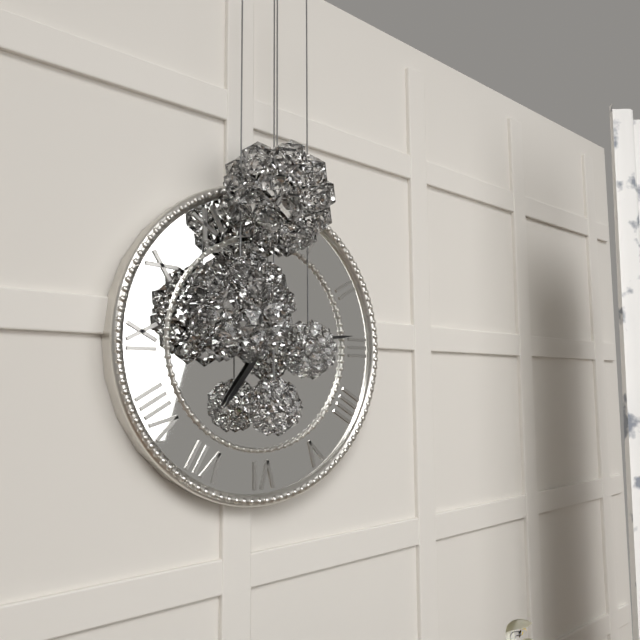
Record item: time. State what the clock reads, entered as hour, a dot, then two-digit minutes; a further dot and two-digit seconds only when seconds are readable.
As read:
7.14
